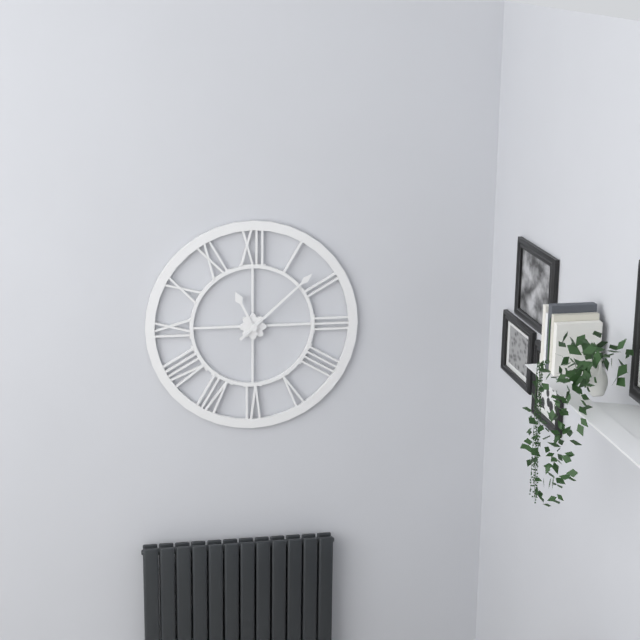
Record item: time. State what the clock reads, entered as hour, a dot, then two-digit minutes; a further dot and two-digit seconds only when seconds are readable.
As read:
11.08
